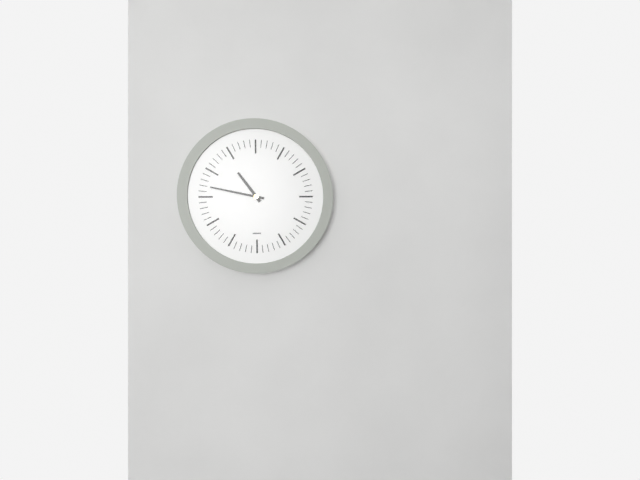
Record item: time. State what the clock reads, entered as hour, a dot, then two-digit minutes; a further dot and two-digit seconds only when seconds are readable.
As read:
10.47
